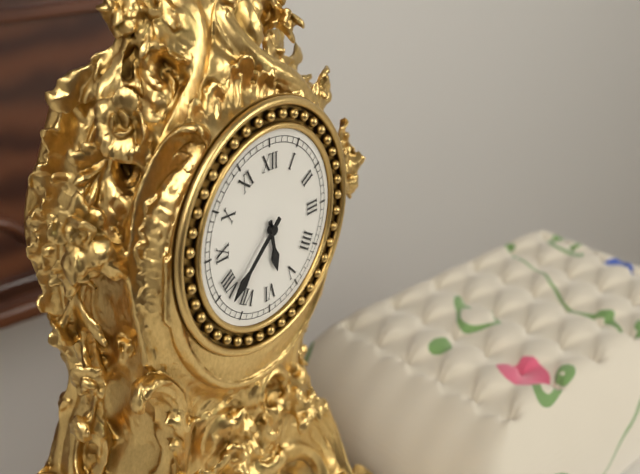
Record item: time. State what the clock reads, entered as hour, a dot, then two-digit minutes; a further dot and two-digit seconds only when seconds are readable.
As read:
5.38
